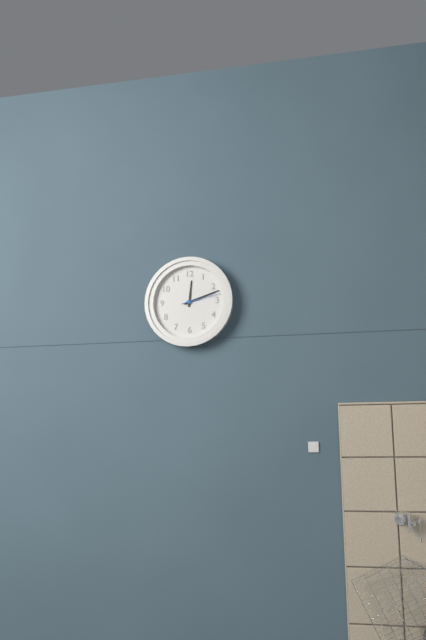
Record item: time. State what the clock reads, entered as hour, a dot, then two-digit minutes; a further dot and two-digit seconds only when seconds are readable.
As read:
12.12
